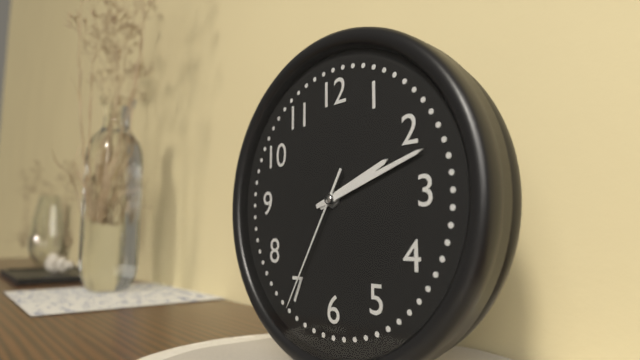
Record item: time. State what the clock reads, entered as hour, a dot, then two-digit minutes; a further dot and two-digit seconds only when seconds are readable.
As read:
2.12.35
